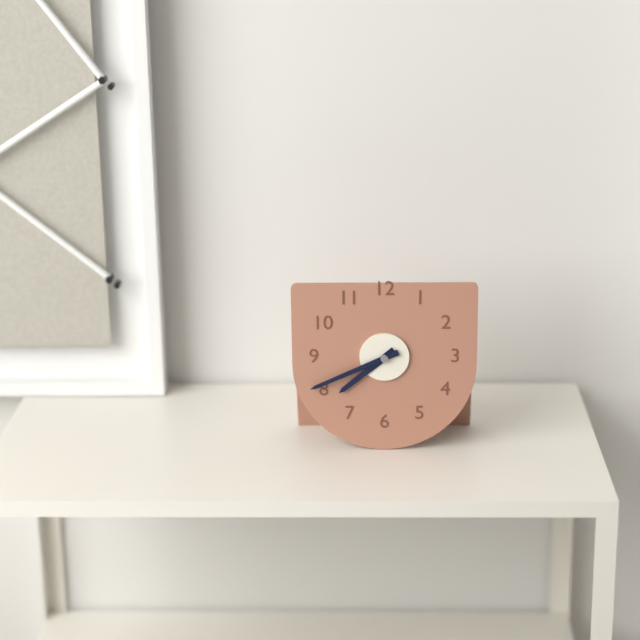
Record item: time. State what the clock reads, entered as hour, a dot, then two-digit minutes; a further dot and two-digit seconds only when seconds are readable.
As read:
7.41
